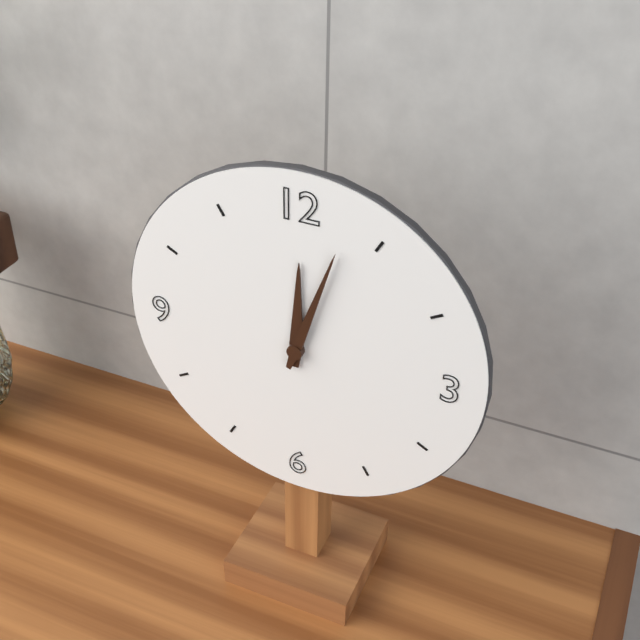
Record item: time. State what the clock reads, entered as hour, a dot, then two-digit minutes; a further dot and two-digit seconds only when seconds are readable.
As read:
12.03
